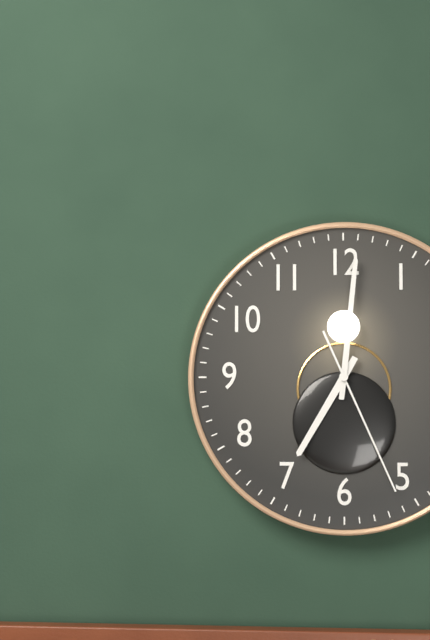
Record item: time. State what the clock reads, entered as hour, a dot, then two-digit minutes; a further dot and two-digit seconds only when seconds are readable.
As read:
7.01.26
